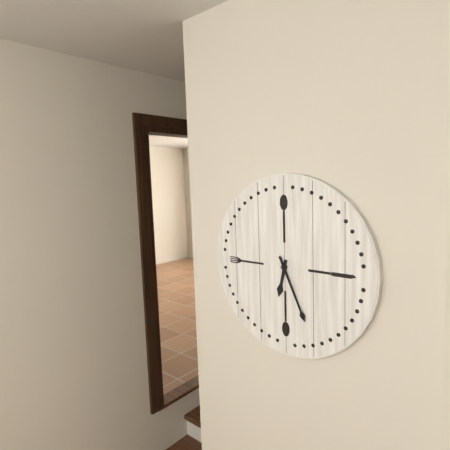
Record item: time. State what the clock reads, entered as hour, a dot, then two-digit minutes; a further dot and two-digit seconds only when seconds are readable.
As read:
6.26
